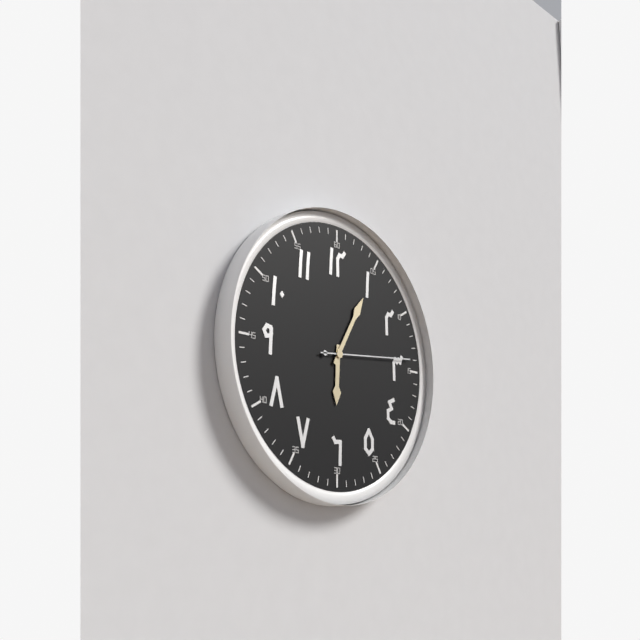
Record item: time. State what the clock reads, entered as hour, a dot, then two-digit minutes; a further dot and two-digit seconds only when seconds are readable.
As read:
6.05.14
